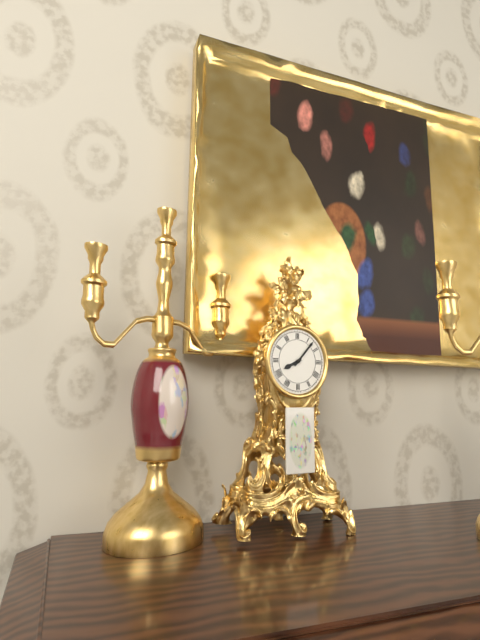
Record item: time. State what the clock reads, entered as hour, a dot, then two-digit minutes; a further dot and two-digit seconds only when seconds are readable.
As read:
8.07
